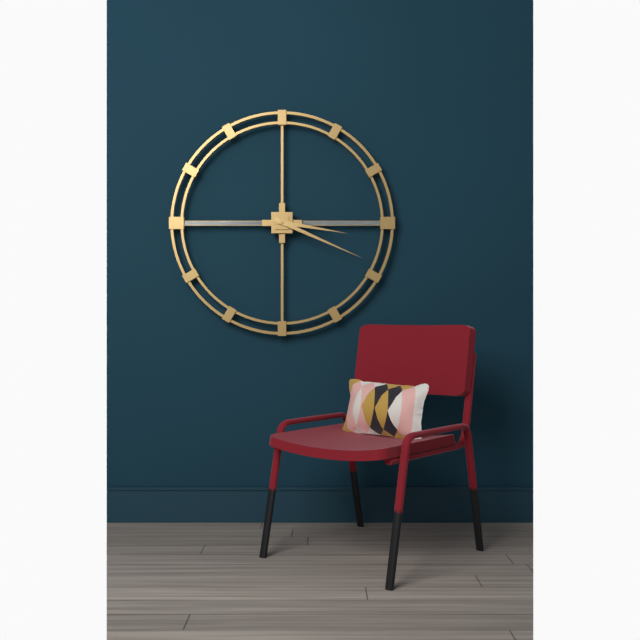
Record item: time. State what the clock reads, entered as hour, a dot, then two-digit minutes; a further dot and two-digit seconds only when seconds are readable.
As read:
3.19
